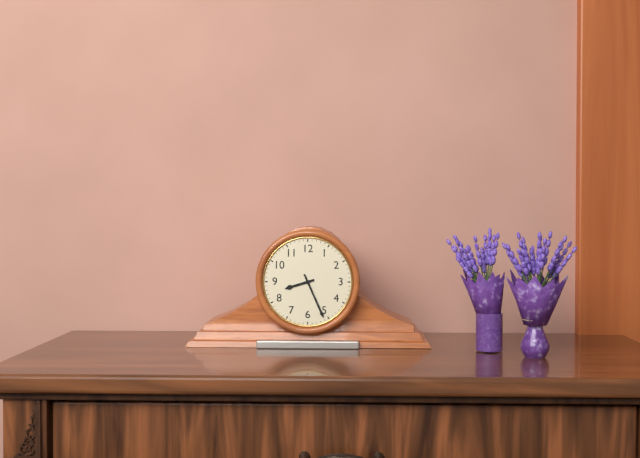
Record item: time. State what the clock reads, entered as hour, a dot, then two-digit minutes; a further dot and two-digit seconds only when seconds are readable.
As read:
8.26
